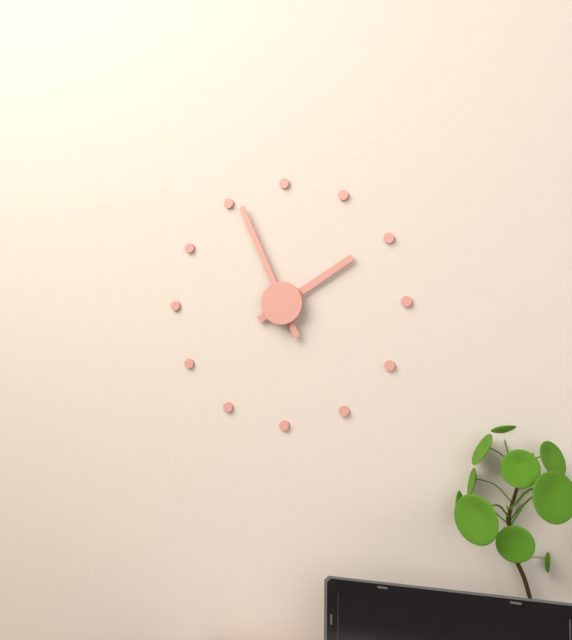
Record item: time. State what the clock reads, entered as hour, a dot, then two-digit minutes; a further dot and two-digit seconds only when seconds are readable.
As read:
1.56
